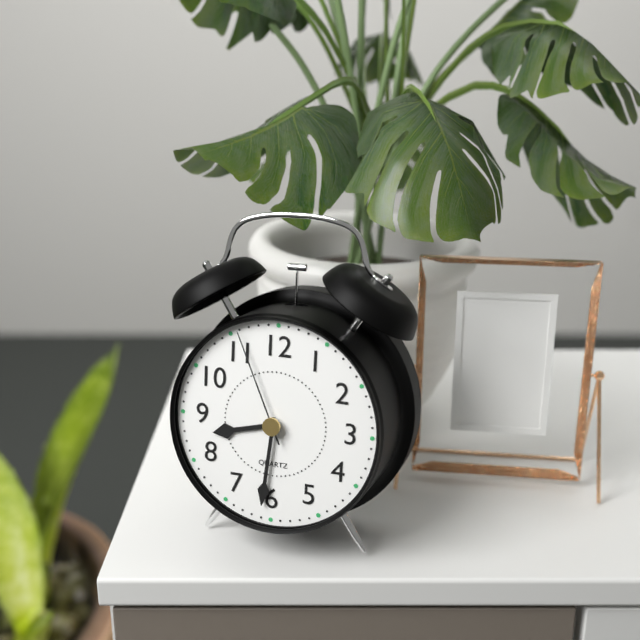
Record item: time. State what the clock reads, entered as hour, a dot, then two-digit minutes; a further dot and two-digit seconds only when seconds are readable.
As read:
8.31.56
